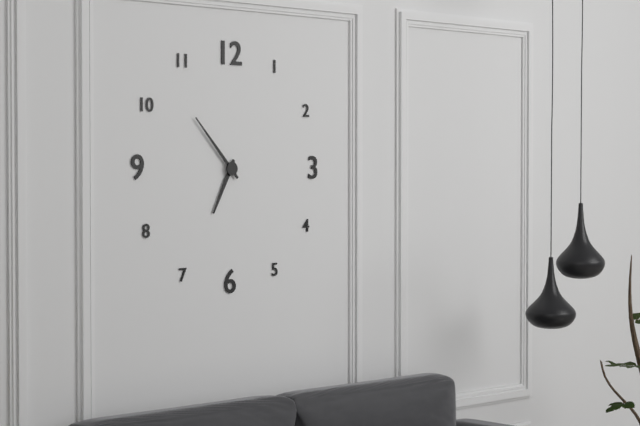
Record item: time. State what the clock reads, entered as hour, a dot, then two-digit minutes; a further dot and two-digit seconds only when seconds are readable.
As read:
6.53
